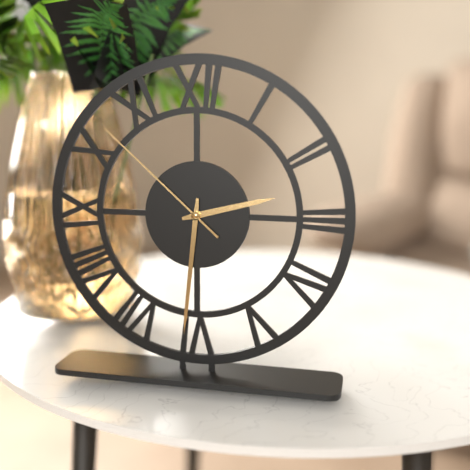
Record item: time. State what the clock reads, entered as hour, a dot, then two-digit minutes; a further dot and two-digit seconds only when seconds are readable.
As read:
2.31.52
